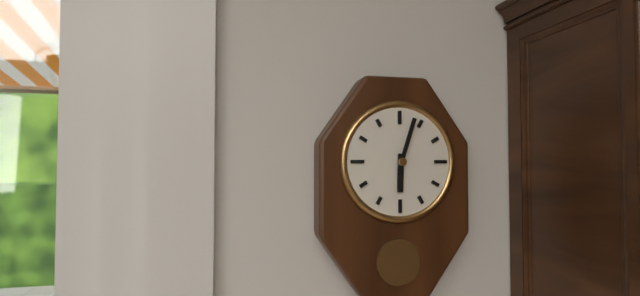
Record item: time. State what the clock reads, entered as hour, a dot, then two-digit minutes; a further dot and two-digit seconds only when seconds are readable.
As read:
6.03
